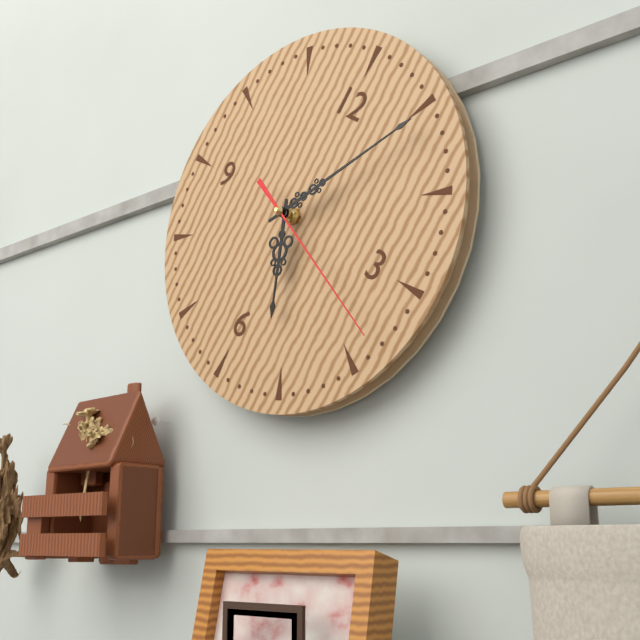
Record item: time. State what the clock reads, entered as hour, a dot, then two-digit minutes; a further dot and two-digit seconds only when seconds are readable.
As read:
5.06.18
